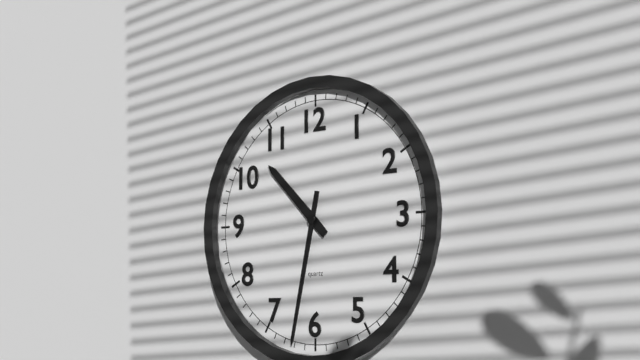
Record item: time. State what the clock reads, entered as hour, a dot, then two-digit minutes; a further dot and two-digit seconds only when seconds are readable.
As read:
10.32
